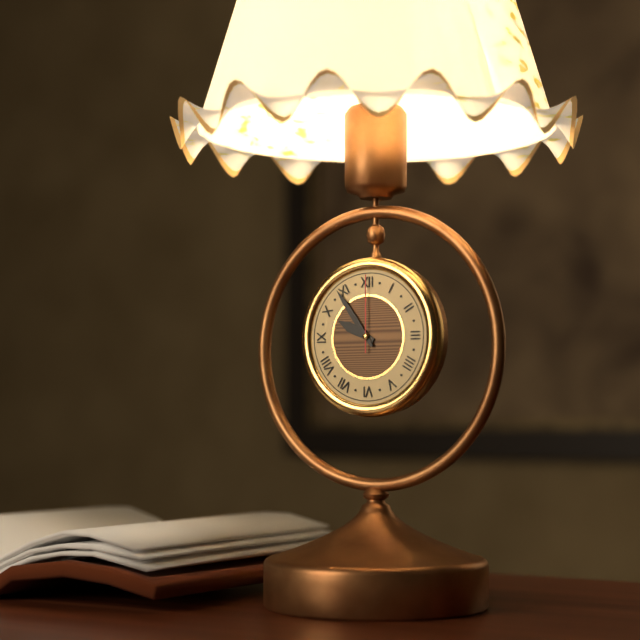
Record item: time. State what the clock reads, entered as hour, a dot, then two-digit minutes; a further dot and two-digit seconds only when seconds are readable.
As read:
9.54.00
